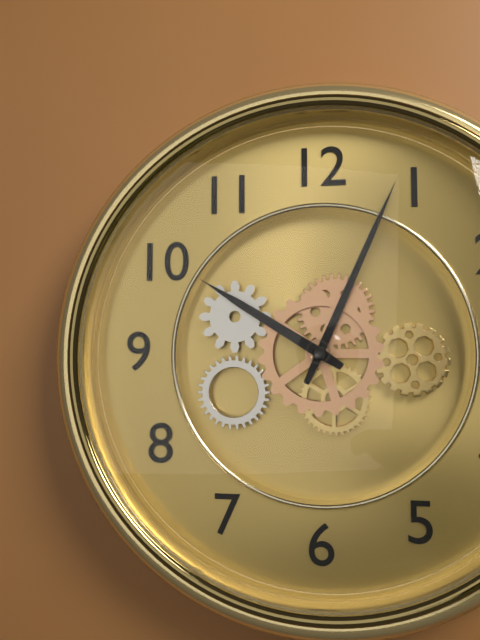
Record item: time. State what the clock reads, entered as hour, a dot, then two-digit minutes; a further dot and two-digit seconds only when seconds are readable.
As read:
10.04
